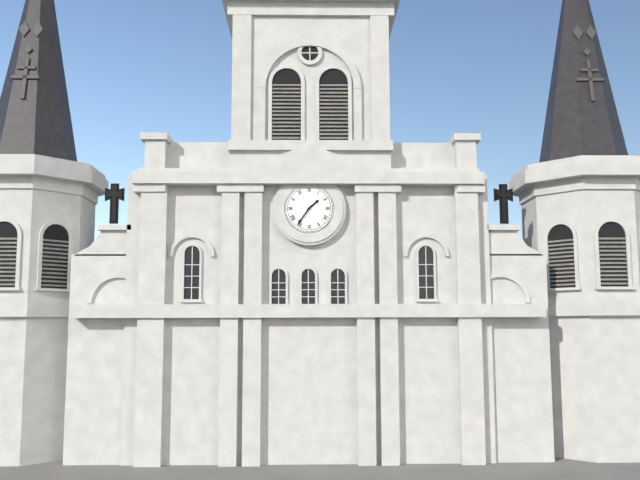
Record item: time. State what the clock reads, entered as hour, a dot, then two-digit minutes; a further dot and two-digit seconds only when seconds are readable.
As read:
1.36
